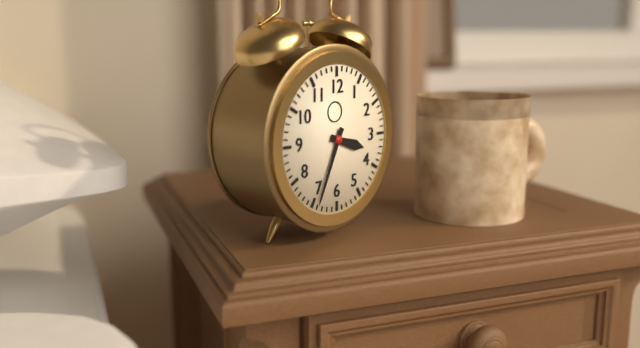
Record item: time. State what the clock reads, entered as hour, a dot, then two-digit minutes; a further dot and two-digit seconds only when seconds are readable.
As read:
3.34
